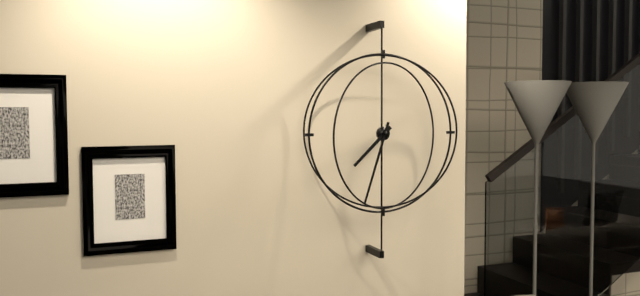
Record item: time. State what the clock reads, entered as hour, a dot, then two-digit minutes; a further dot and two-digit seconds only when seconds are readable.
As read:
7.33
